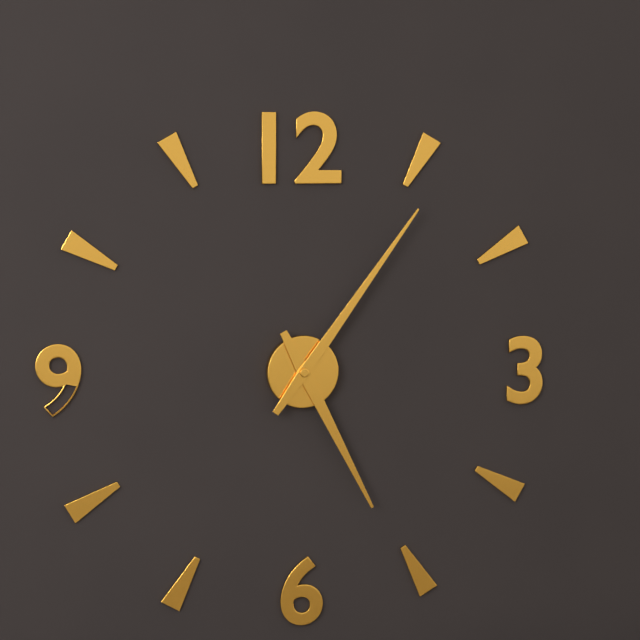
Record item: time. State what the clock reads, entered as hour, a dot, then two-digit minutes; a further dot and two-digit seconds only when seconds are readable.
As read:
5.06
